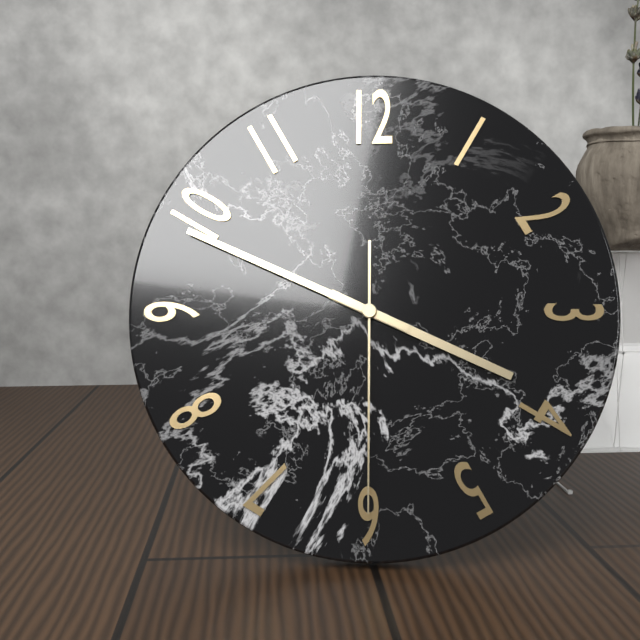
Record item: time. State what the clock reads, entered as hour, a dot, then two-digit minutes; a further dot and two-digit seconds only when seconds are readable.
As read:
3.49.30
